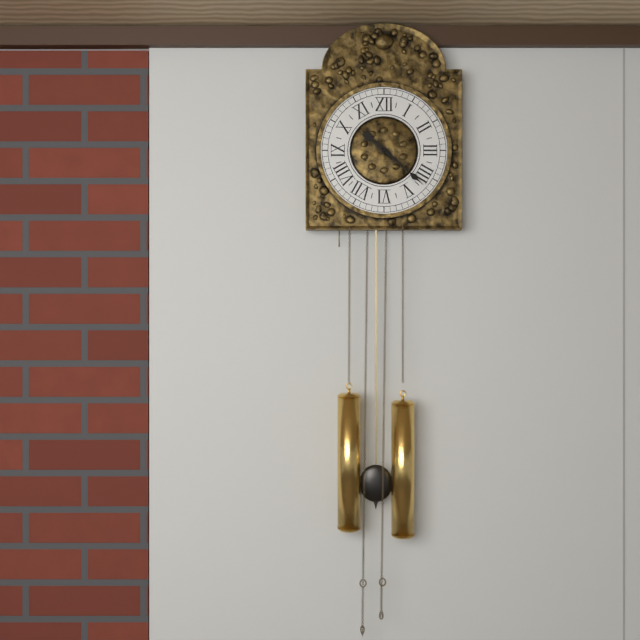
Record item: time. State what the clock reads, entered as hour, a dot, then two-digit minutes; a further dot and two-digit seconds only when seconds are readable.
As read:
10.22
